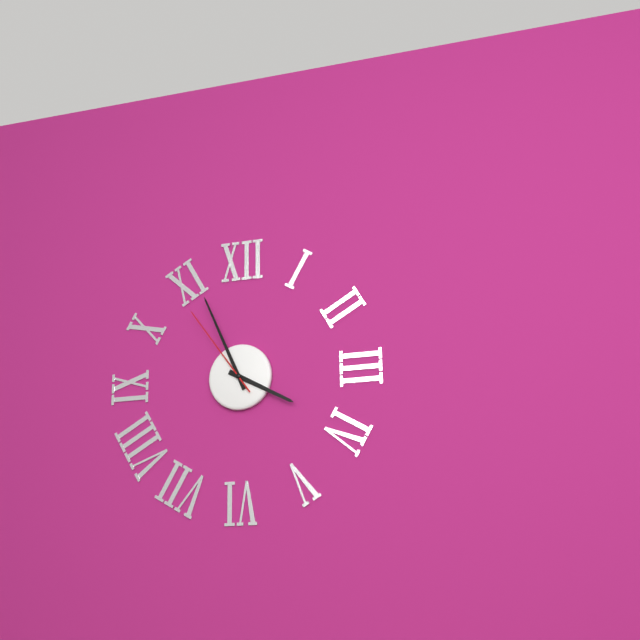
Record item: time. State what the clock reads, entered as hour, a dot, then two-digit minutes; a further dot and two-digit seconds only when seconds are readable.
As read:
3.56.54
